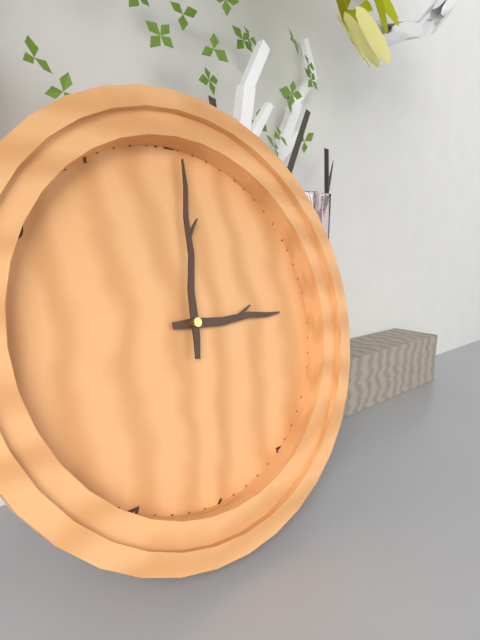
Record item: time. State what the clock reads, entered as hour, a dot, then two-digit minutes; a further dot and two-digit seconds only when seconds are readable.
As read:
3.01
